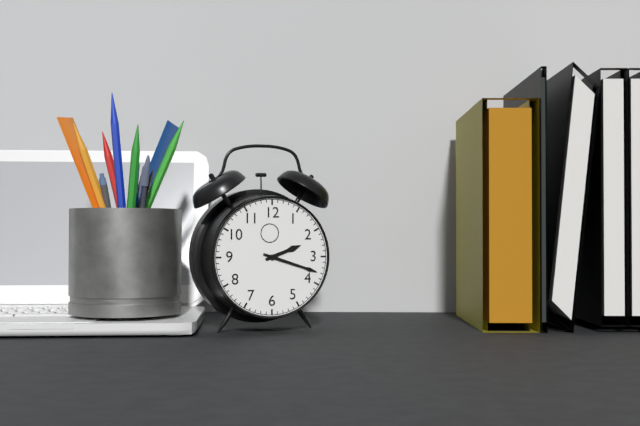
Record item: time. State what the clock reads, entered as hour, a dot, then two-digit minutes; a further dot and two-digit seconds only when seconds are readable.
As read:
2.18
